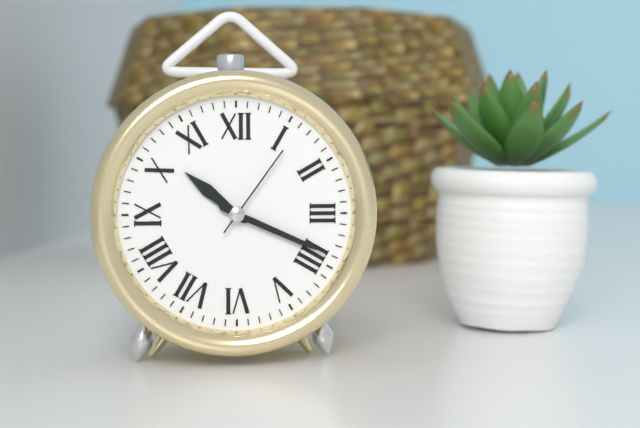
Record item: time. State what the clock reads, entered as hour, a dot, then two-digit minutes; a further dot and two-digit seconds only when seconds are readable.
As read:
10.19.06
